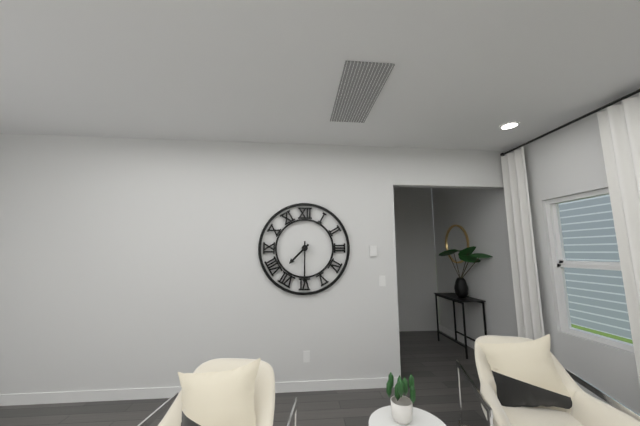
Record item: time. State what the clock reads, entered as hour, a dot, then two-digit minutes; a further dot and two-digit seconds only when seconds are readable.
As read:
7.30
